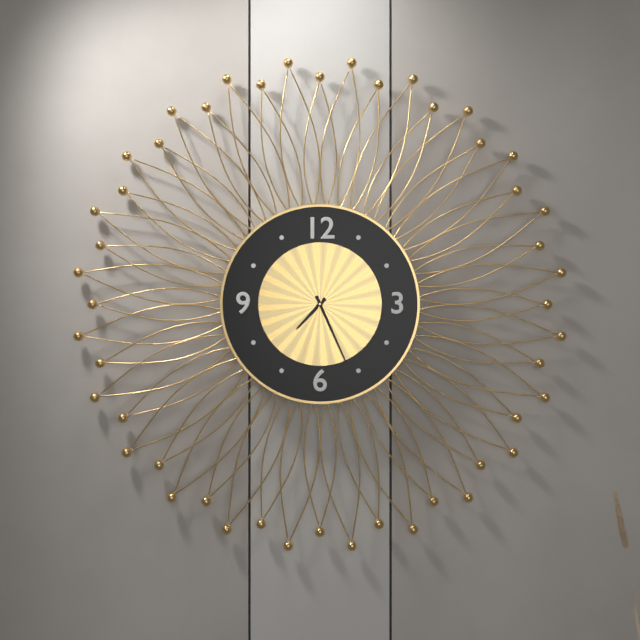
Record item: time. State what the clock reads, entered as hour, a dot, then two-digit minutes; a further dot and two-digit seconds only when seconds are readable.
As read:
7.26.33
